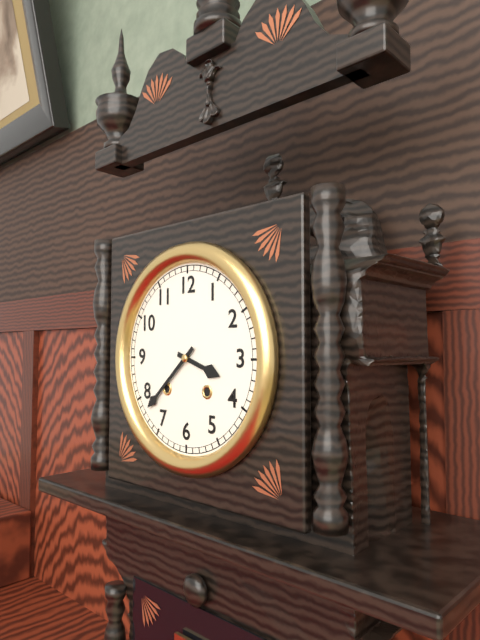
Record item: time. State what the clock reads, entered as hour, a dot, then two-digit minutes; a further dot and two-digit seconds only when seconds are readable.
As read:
3.38
